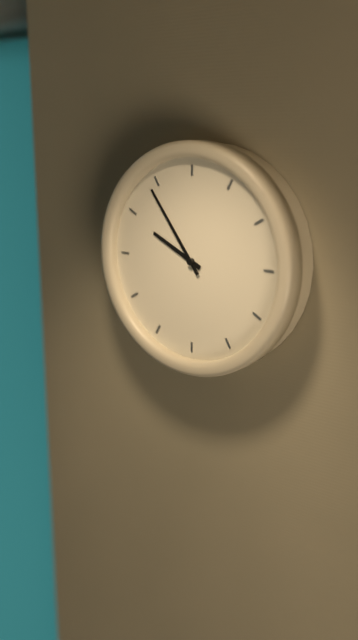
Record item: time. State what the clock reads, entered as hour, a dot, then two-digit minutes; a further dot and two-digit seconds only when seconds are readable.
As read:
9.54
